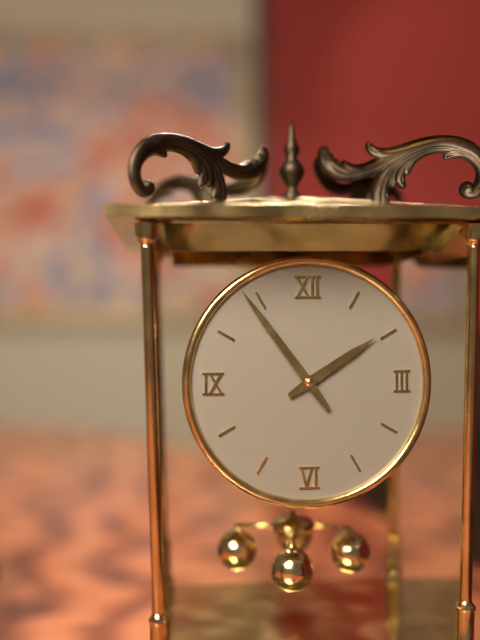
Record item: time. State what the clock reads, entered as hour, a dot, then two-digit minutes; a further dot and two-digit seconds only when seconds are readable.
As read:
1.54
